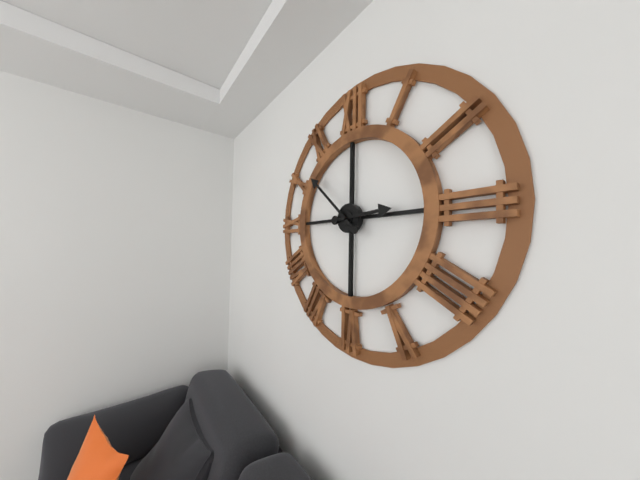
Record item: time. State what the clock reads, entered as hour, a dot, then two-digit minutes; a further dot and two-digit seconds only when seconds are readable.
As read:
2.52
